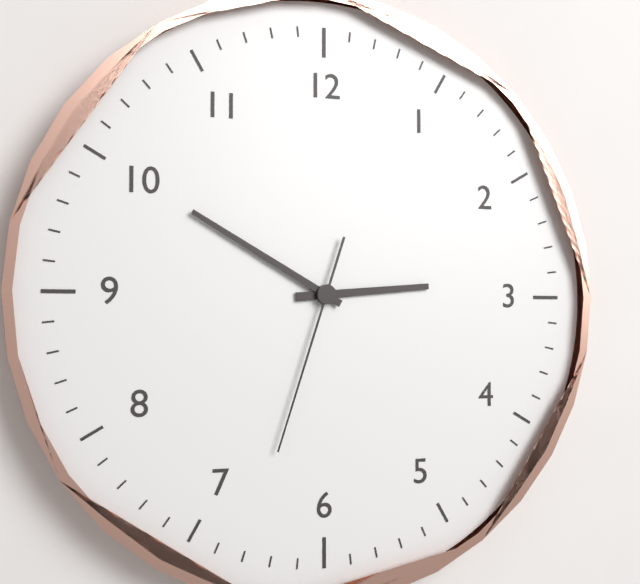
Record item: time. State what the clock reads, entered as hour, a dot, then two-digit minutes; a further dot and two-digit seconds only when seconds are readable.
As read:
2.50.33
